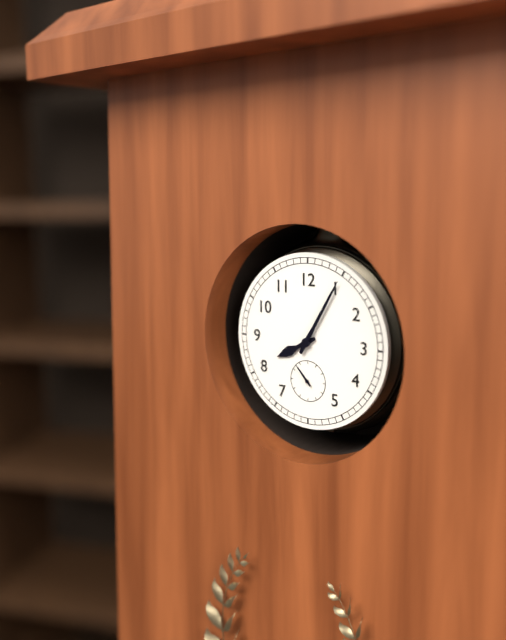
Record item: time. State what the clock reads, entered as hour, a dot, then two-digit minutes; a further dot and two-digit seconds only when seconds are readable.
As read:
8.05
